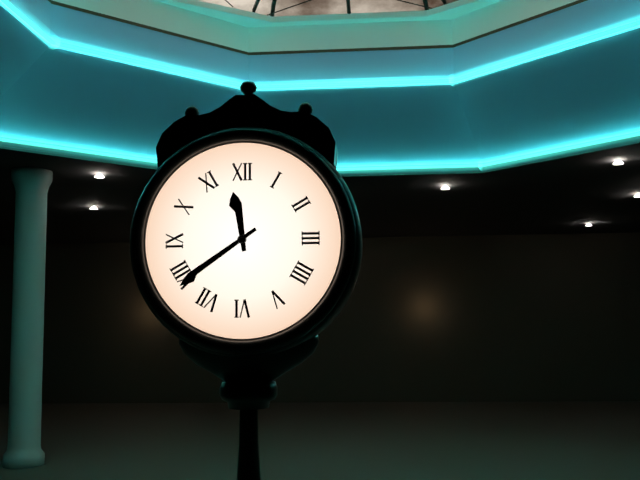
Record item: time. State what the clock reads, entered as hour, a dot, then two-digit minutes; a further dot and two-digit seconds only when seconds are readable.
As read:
11.39
